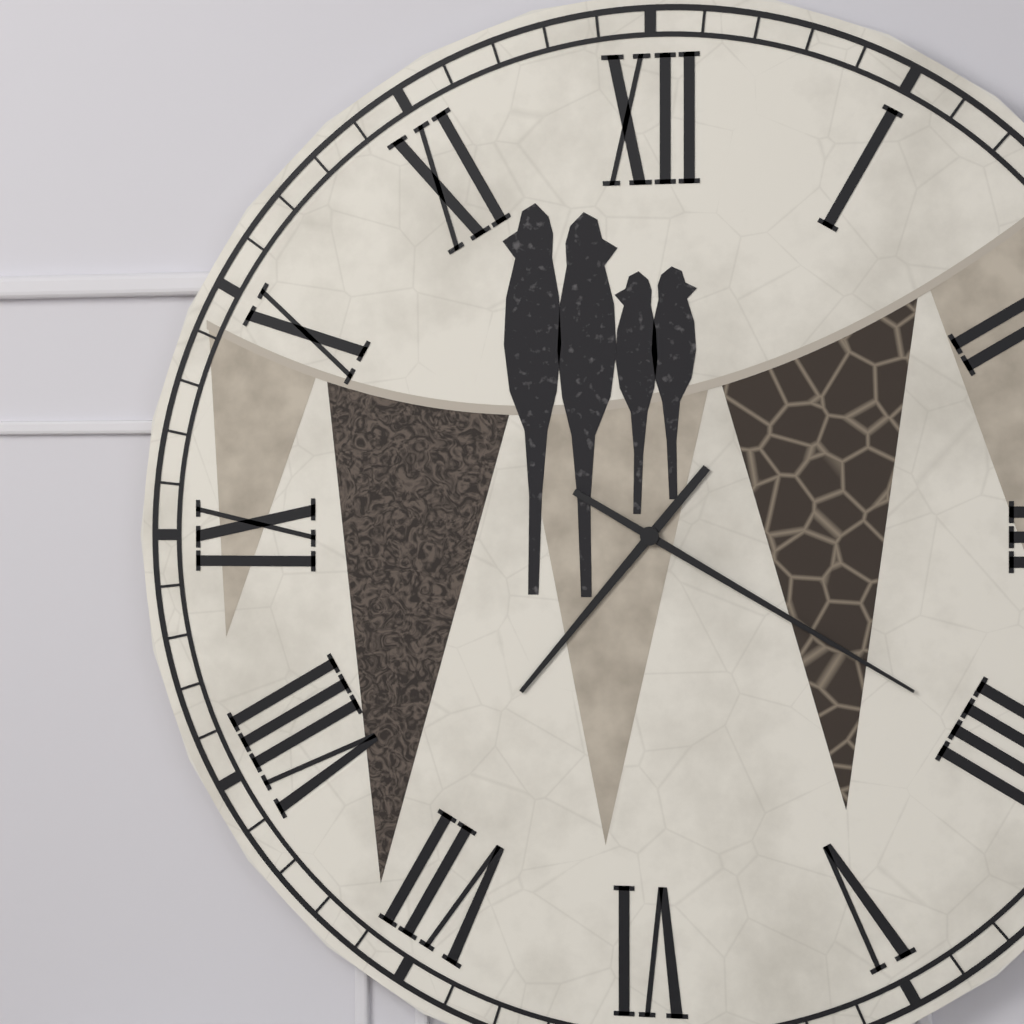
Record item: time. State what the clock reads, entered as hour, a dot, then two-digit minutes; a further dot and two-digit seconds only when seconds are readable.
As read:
7.20
